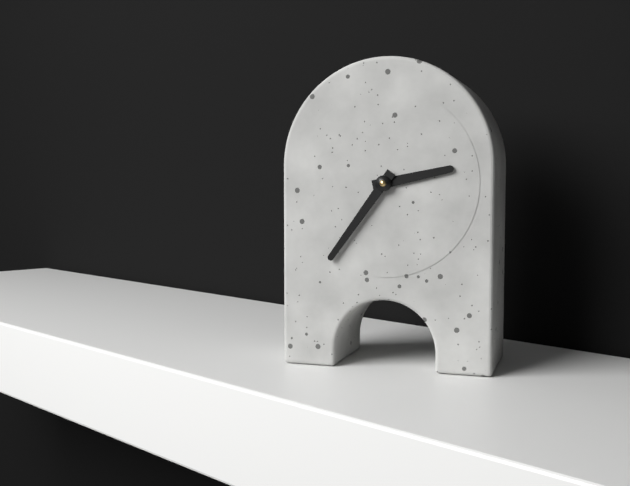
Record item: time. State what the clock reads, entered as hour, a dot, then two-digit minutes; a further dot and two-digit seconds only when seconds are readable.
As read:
2.36
